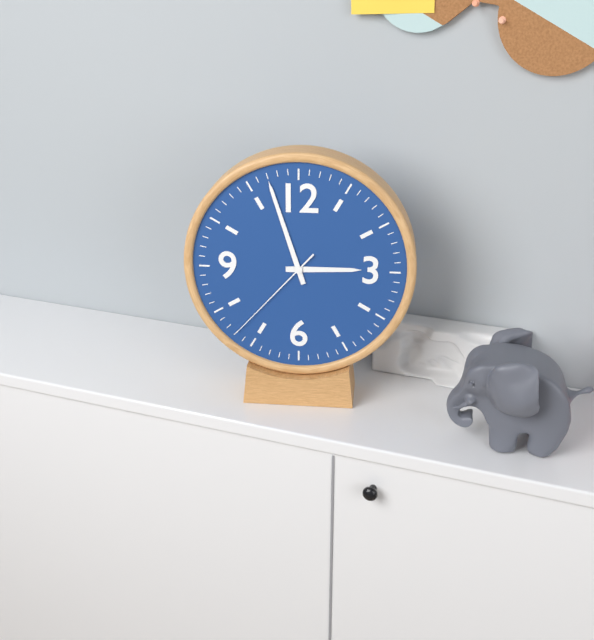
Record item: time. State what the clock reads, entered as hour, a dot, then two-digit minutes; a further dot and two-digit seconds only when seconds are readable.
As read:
2.57.37
